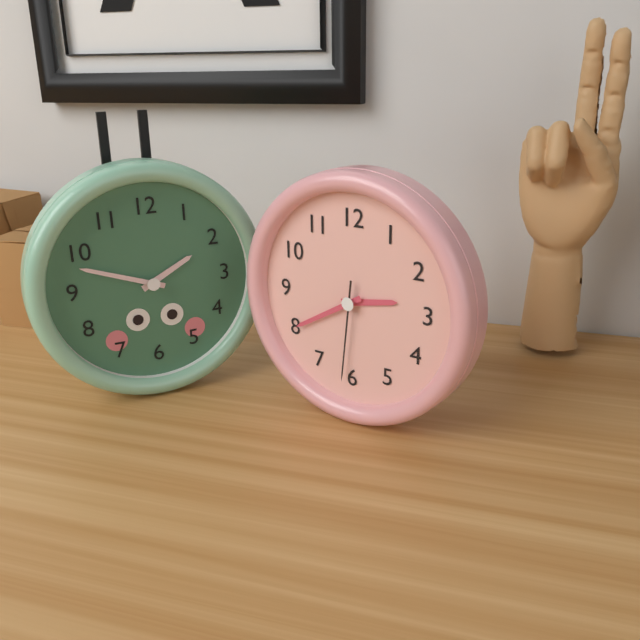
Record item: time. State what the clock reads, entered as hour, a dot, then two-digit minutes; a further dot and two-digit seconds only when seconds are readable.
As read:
2.40.31
